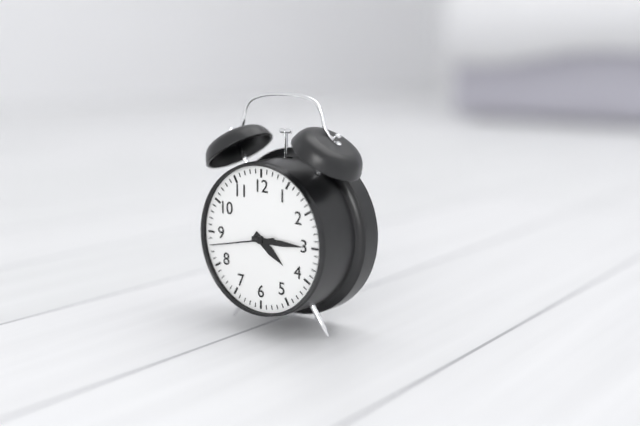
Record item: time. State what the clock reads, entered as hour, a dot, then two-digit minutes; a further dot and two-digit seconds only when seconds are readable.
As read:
4.15.43
